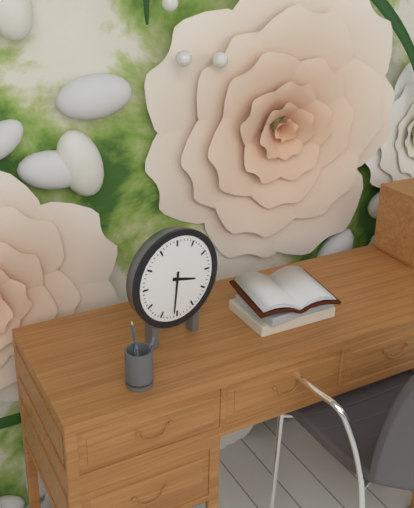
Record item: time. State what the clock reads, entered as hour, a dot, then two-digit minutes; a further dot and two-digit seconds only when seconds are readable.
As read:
3.31
